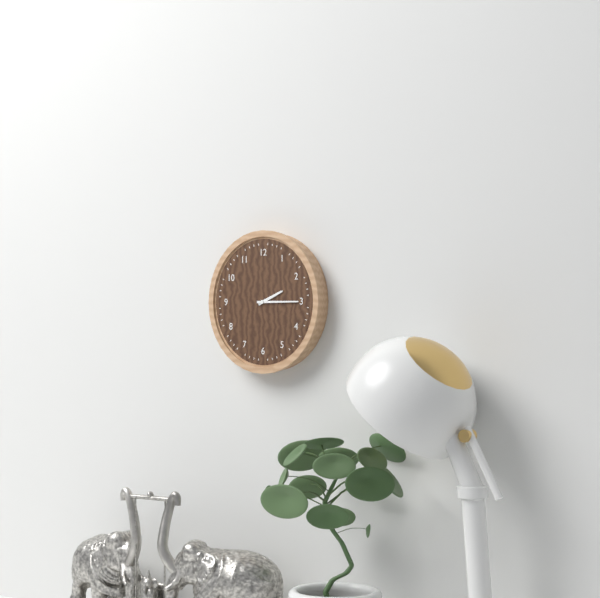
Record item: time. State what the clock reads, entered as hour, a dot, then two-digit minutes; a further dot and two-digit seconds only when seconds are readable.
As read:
2.15
